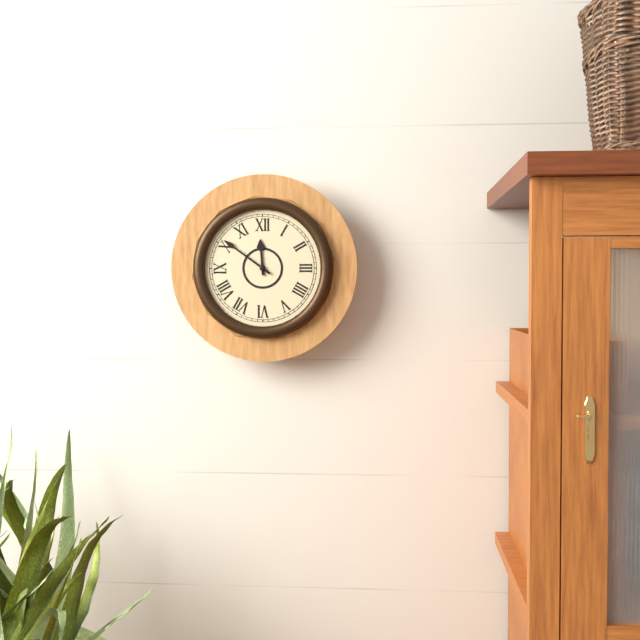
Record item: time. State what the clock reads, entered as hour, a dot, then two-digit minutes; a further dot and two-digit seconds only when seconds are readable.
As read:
11.51
